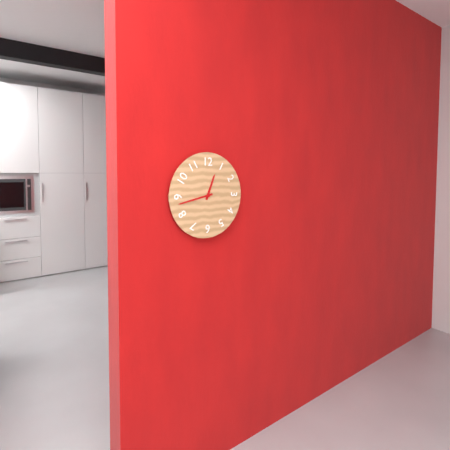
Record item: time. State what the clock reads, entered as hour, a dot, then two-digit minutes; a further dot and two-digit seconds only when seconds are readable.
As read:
12.43
